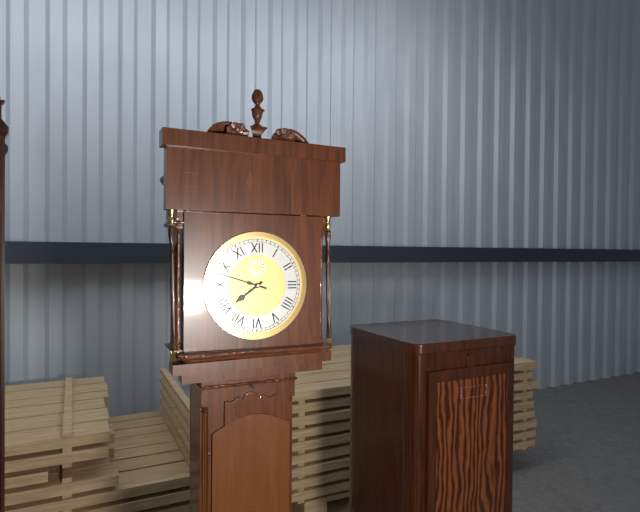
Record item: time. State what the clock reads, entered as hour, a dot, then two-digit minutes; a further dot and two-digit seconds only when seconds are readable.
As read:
7.48
